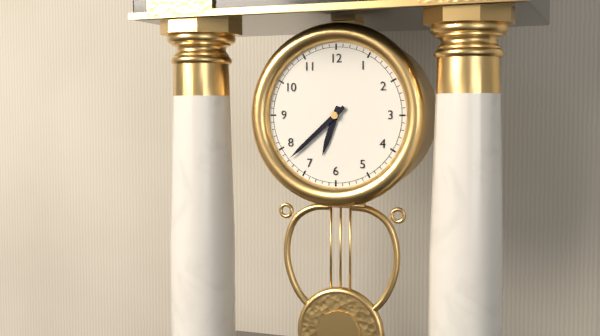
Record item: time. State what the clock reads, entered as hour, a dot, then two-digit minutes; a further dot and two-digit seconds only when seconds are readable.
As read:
6.38
